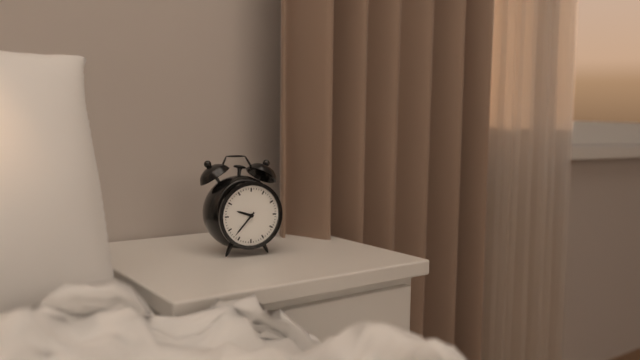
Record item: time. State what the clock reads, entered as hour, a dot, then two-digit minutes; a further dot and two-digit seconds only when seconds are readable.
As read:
9.37
